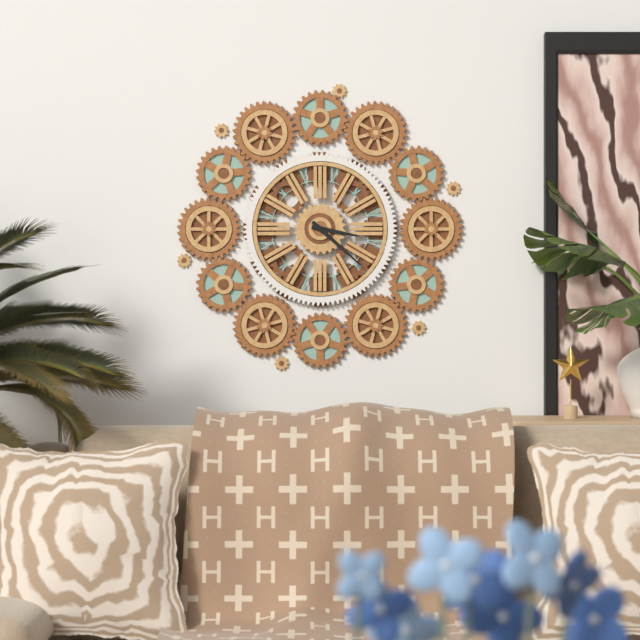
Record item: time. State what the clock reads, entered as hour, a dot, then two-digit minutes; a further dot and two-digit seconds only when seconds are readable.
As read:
3.22
